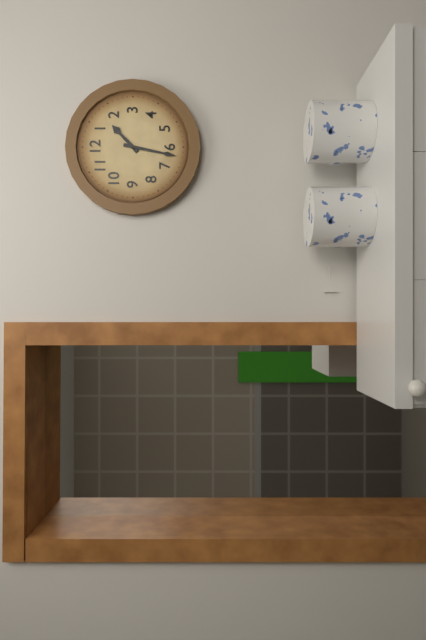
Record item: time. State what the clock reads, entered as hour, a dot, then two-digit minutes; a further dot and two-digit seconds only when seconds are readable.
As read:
1.32
